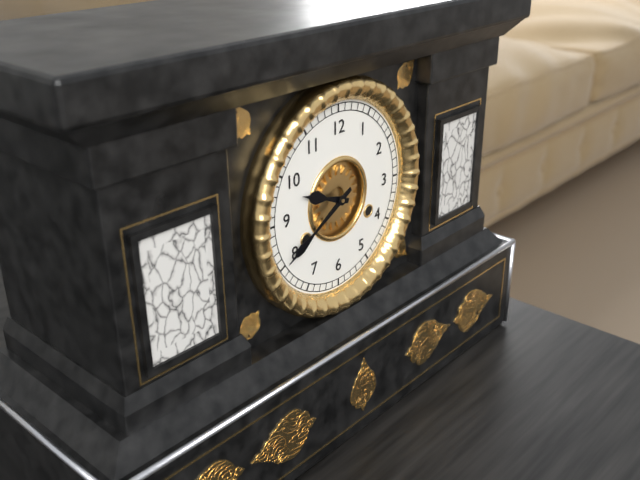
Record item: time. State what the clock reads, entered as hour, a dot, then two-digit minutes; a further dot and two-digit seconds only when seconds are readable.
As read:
9.40
